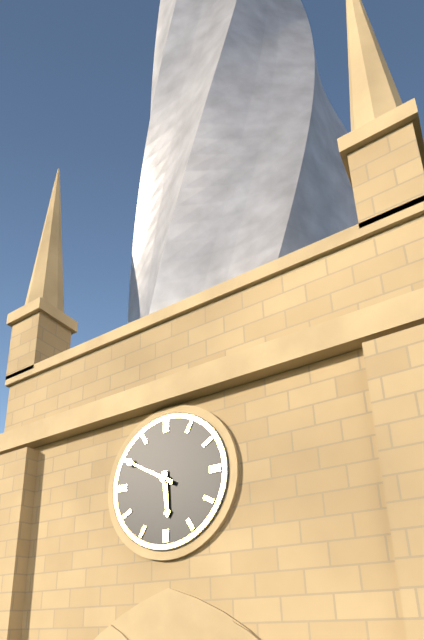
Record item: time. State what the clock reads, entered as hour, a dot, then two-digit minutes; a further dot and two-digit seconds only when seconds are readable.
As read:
5.50
